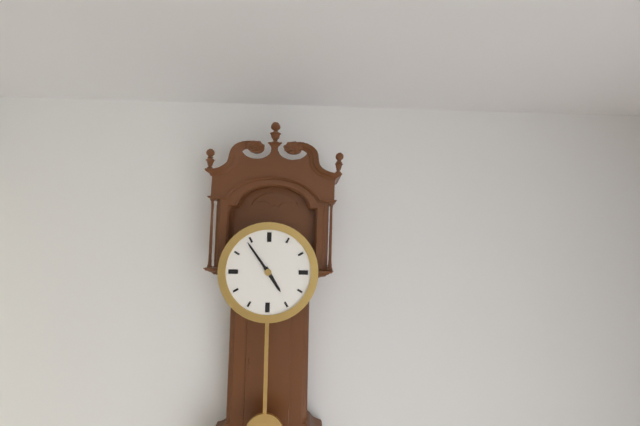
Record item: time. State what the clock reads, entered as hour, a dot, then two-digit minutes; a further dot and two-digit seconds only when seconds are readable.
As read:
4.54
